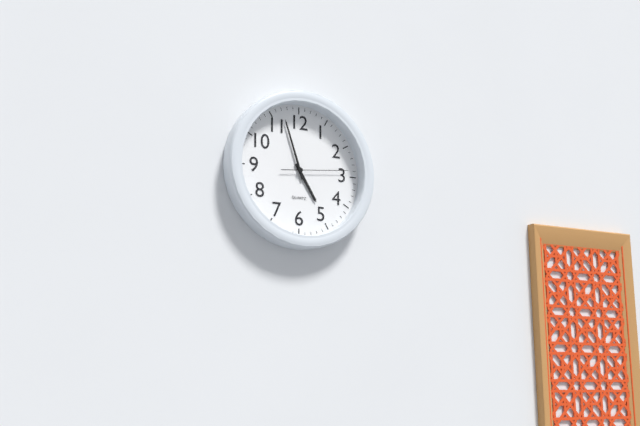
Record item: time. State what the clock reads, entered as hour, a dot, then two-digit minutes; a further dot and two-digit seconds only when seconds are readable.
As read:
4.57.14
